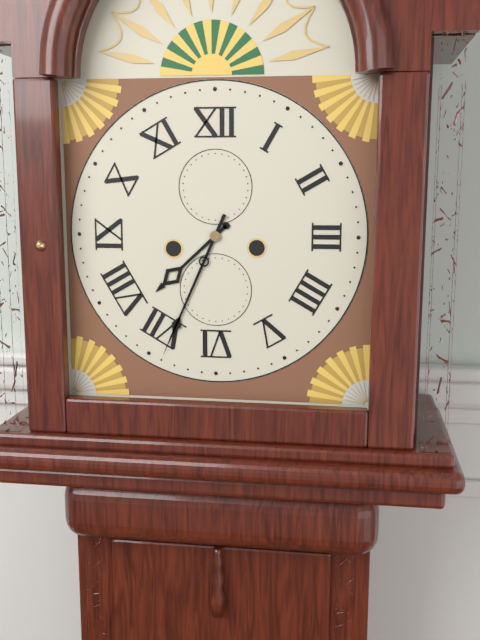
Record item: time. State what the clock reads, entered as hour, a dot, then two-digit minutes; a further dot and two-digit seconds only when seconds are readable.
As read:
7.34
